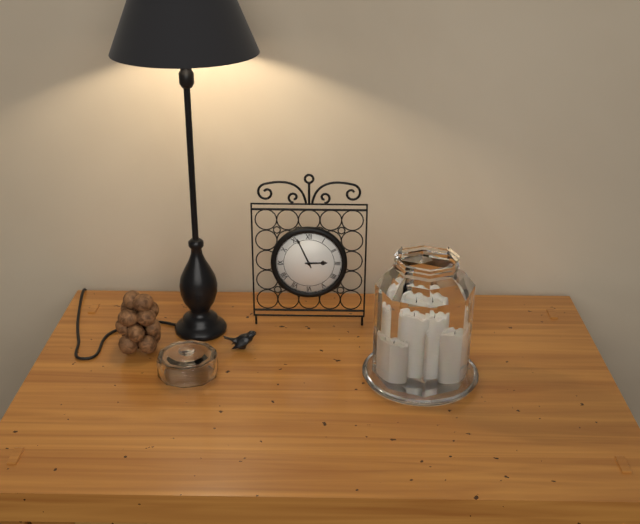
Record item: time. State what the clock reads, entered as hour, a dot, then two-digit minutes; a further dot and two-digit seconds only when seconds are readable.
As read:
2.56
